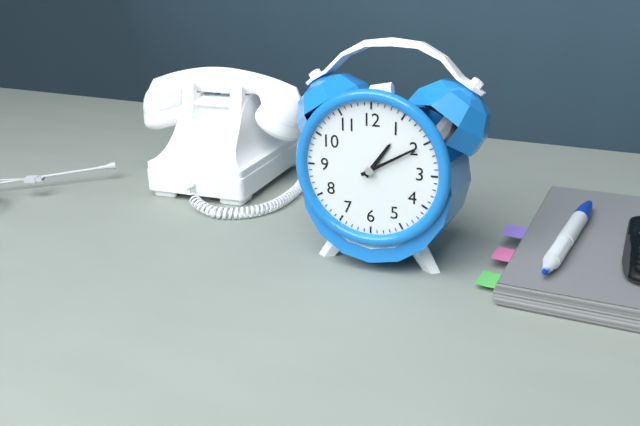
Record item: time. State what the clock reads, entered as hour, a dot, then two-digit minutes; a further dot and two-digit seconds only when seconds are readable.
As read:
1.10
